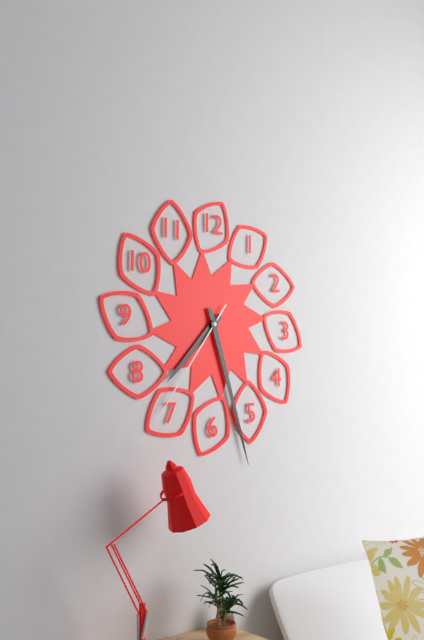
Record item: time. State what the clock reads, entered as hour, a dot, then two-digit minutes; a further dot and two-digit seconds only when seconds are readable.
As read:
7.27.36
